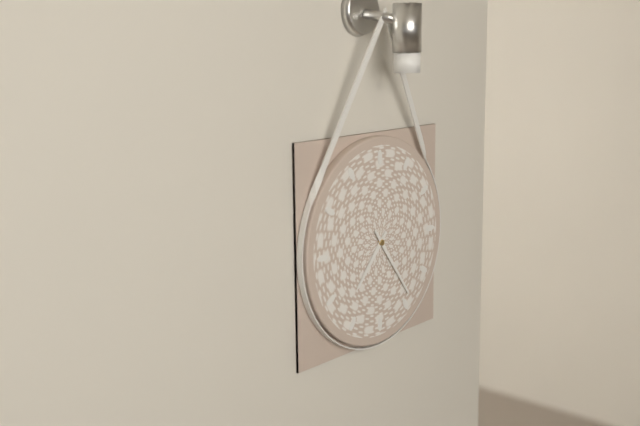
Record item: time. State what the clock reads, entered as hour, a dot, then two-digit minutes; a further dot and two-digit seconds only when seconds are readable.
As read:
7.24
